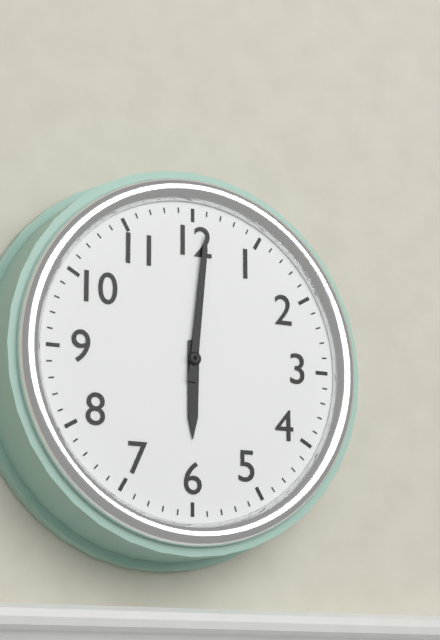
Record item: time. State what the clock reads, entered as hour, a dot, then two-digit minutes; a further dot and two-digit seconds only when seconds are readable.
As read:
6.01
